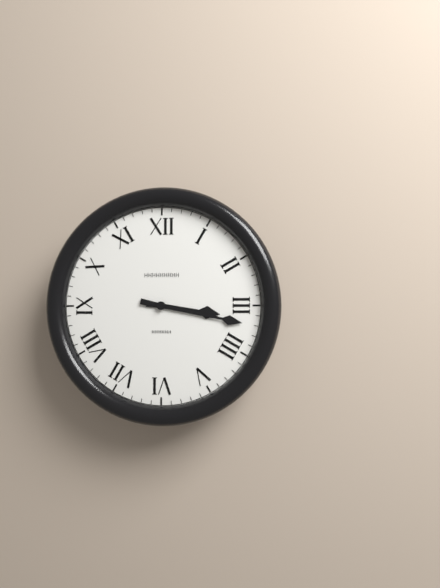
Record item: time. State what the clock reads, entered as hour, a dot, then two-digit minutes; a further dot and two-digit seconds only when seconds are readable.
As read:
3.17
